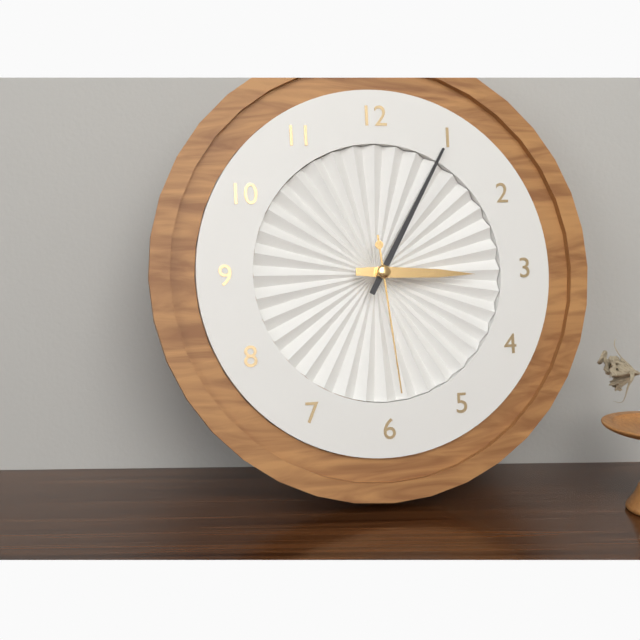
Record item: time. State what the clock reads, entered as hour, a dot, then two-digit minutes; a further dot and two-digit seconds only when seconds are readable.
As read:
3.05.29
